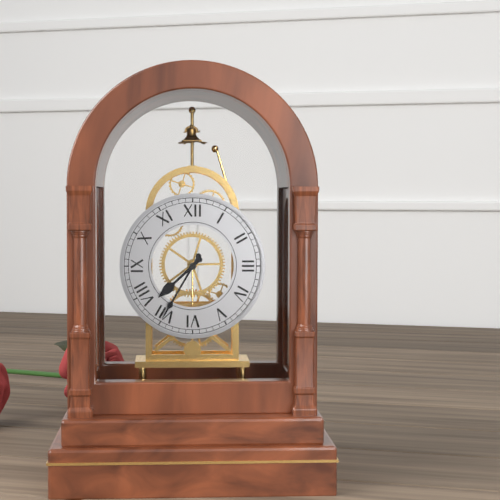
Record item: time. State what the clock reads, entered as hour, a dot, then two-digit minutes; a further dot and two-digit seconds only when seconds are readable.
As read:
7.35
